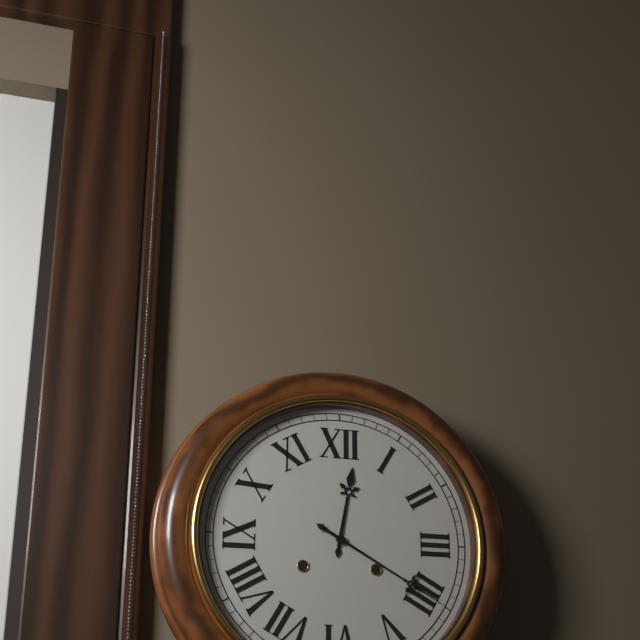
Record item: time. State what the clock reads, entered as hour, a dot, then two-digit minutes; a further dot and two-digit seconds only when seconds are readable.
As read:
12.20
